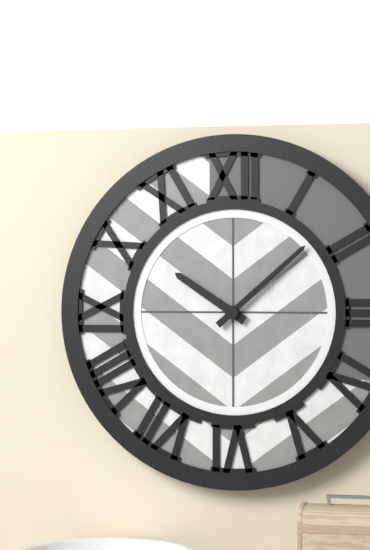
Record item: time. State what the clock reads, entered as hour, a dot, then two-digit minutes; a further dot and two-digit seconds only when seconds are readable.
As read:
10.08
